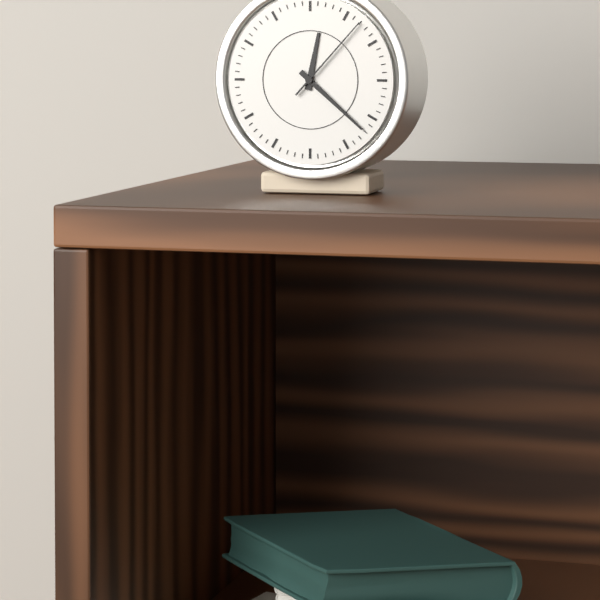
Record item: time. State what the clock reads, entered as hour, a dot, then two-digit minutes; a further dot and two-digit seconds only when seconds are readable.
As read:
12.22.07
